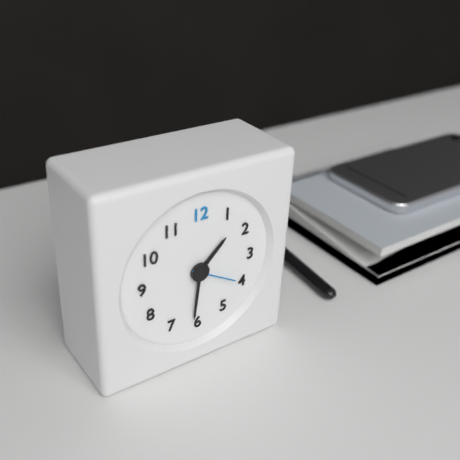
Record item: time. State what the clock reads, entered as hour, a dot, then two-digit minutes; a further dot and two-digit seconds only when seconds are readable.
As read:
1.31.20
